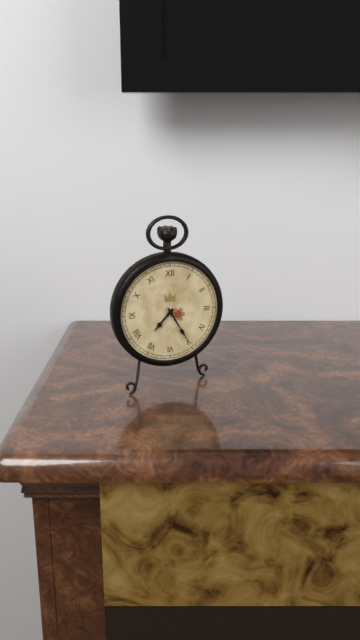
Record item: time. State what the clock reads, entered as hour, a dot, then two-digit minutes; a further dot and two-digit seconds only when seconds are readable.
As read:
7.25
